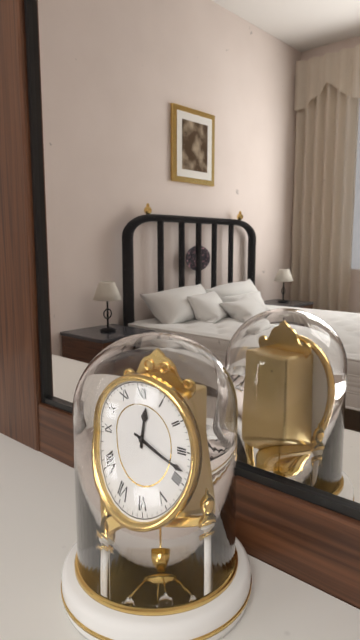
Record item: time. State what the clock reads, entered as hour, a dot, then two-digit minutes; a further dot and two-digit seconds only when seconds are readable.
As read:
12.18
